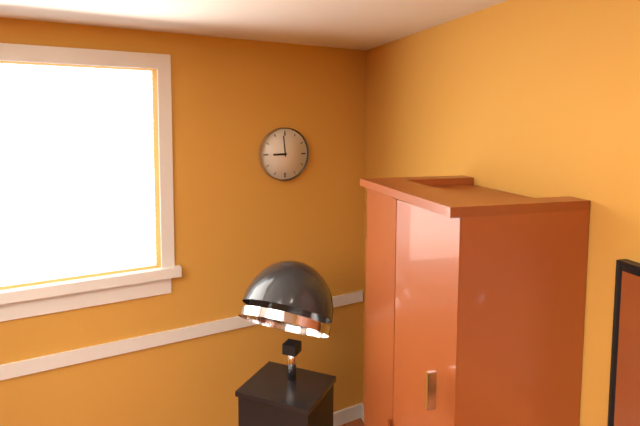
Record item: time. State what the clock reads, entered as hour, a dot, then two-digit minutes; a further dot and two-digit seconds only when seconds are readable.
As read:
8.59
